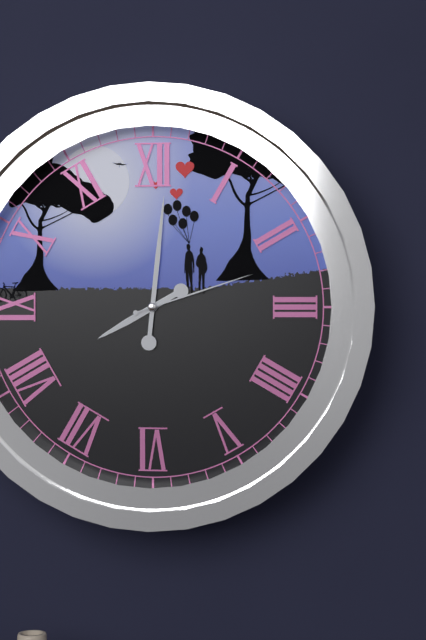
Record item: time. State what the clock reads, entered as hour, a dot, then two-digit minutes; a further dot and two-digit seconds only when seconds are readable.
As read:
8.01.12
